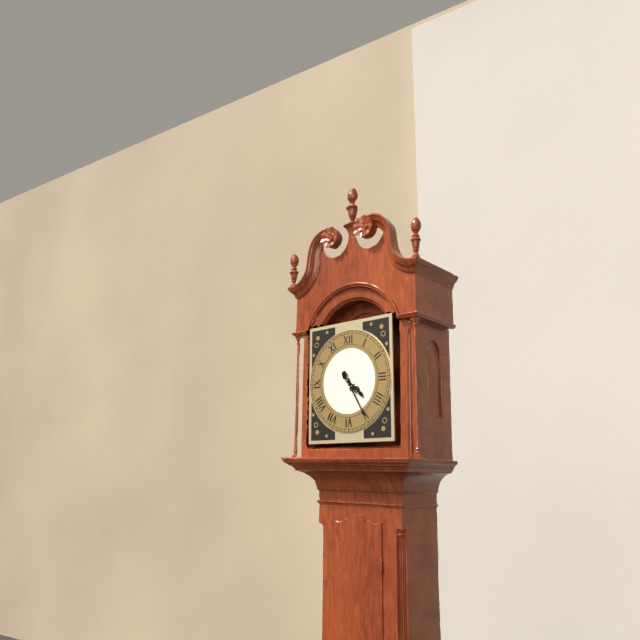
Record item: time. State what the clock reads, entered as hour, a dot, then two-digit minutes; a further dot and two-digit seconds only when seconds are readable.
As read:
4.25
